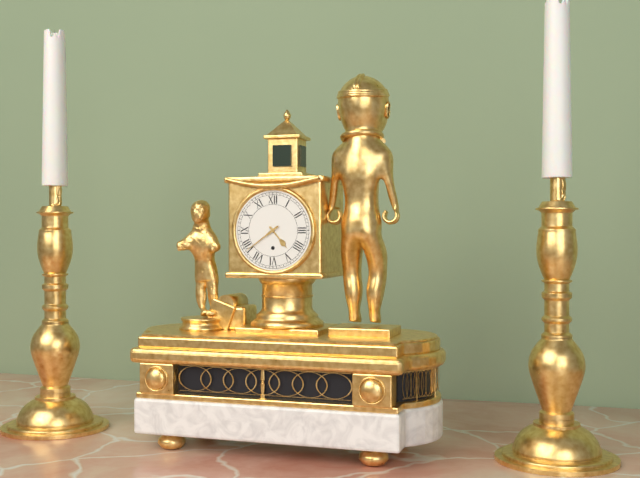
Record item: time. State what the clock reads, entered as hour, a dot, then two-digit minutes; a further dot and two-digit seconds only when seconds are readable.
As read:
4.39
